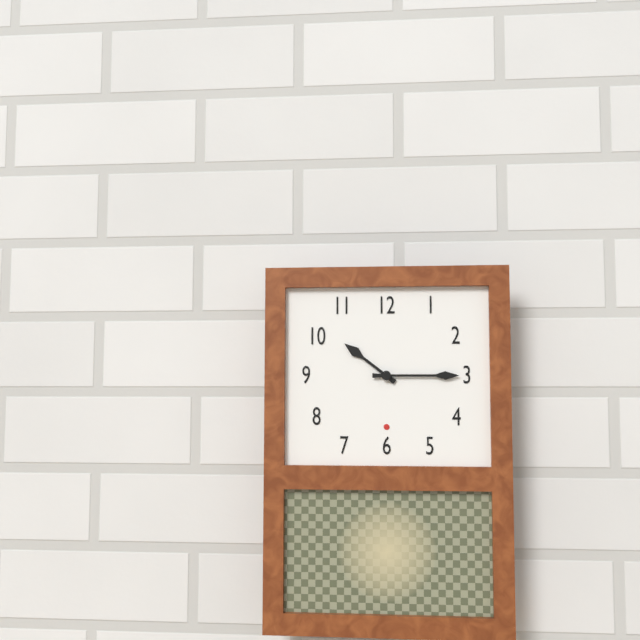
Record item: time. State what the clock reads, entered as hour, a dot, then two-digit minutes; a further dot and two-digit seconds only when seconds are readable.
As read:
10.15
